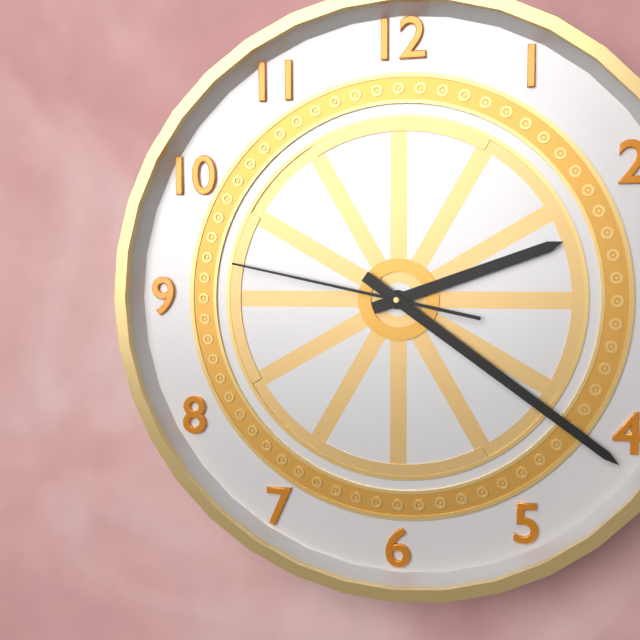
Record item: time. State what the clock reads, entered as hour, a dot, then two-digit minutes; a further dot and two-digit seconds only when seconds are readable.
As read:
2.21.47
